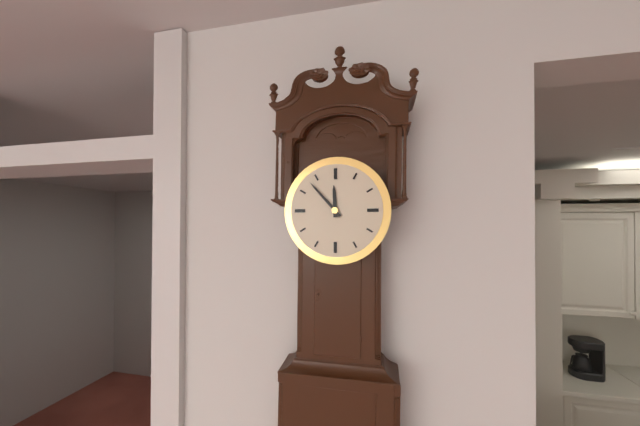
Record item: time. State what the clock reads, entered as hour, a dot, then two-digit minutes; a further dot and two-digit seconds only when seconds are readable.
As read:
11.53
